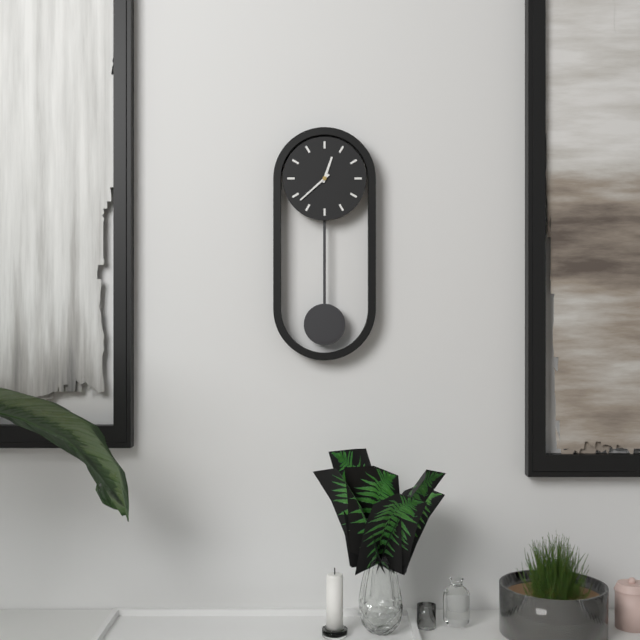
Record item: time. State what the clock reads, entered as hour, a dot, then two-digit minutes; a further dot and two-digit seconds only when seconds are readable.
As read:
12.38
